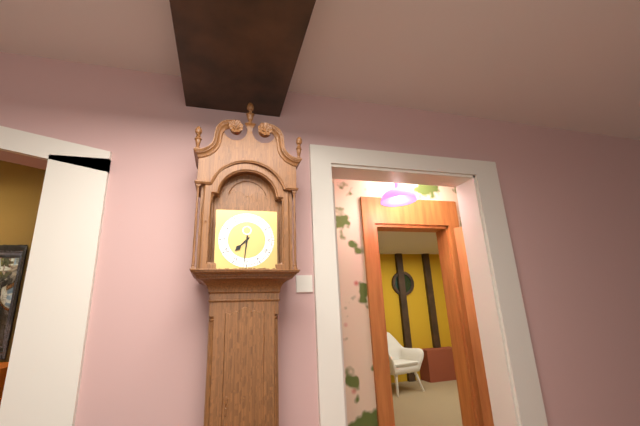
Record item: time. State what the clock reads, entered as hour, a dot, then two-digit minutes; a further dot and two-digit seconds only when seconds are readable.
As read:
7.31
